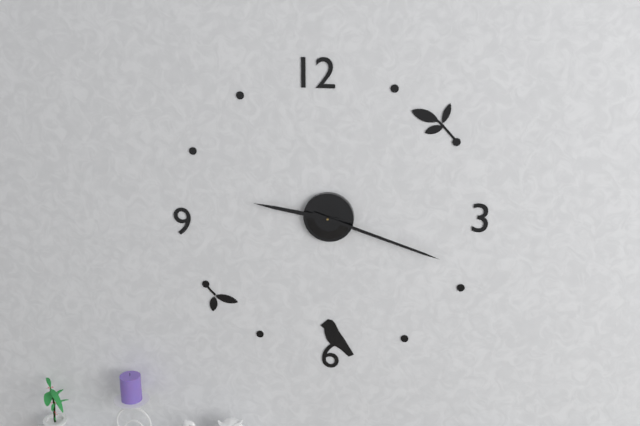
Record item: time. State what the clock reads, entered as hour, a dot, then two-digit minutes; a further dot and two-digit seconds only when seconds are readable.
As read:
9.18
